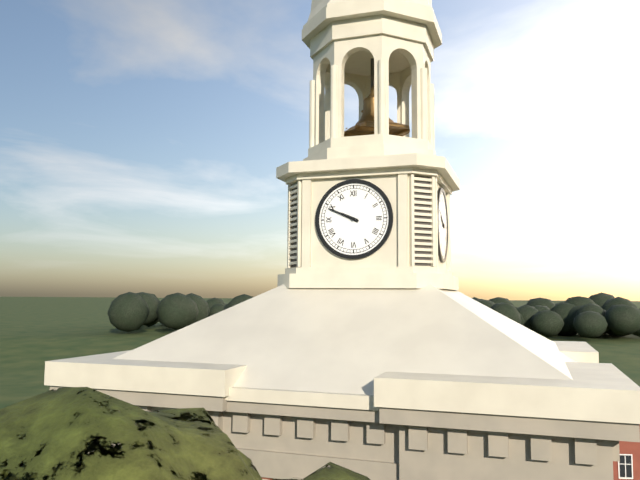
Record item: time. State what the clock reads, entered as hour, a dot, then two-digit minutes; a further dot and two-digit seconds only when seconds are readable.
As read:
9.49
